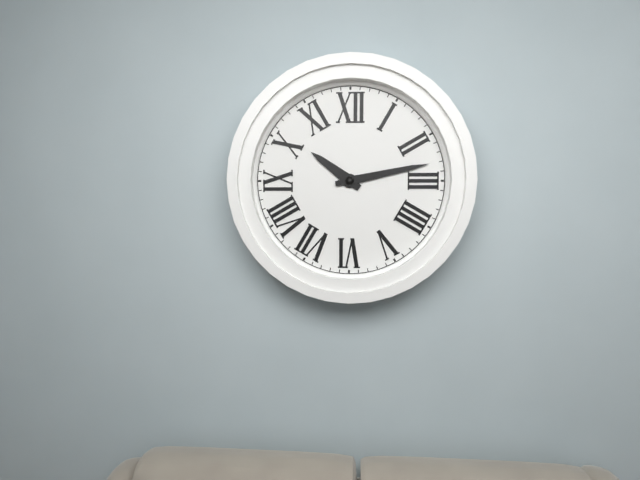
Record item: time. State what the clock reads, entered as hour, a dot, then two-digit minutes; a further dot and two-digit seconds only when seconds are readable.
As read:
10.13
